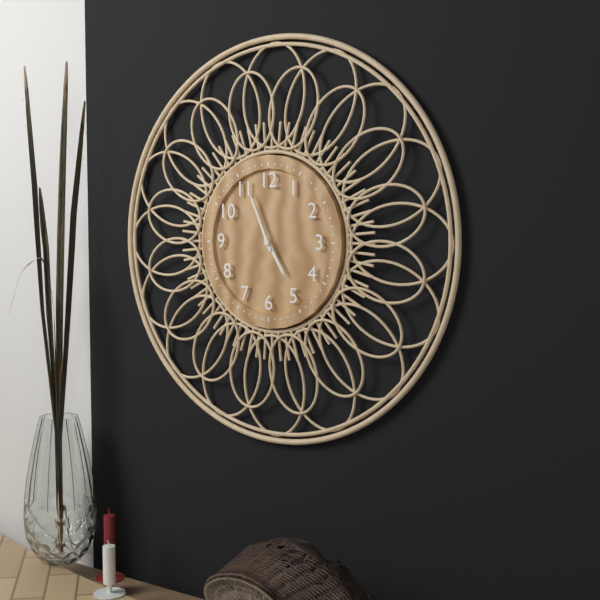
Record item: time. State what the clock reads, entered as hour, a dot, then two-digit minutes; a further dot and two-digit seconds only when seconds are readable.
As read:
4.56
